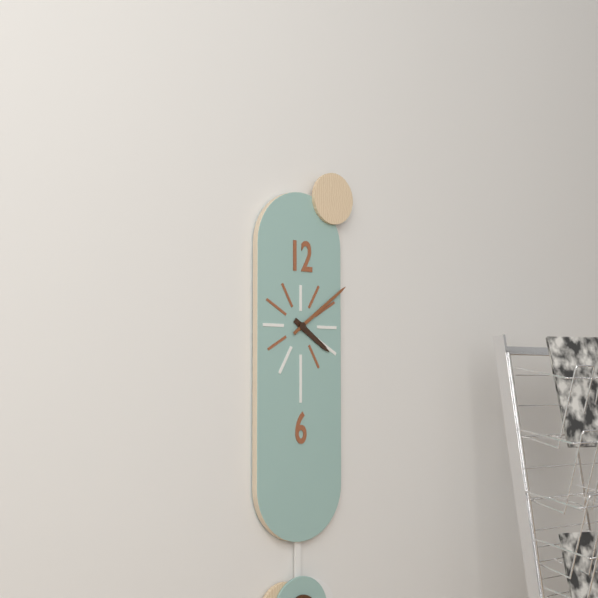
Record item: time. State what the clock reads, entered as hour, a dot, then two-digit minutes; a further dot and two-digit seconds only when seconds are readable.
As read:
4.09
